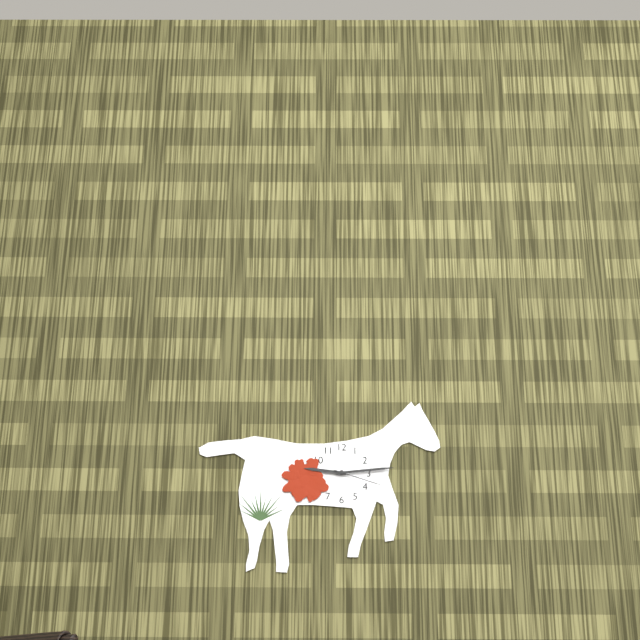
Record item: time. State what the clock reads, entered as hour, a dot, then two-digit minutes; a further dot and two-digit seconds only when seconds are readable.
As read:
9.14.18
